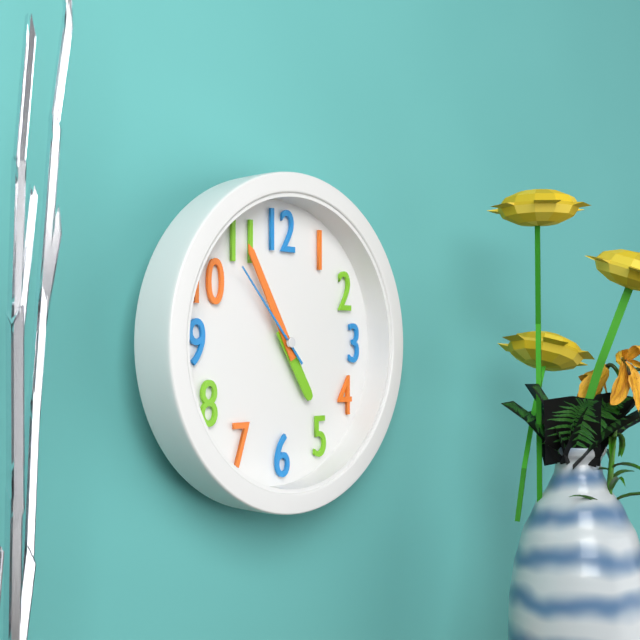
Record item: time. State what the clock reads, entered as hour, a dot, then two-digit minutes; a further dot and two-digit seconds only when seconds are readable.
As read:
4.55.53
